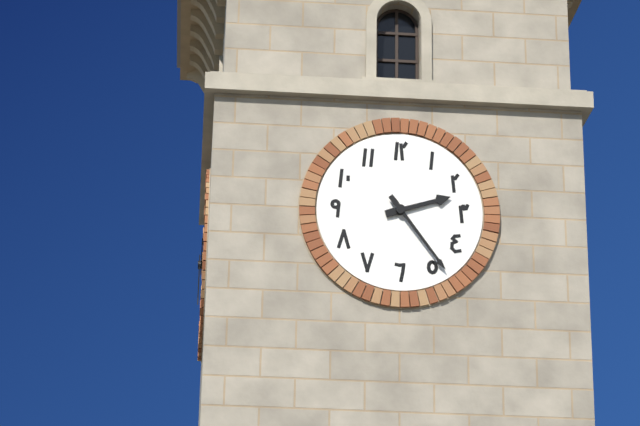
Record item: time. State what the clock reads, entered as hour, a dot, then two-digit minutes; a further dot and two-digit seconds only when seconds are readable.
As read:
2.24
